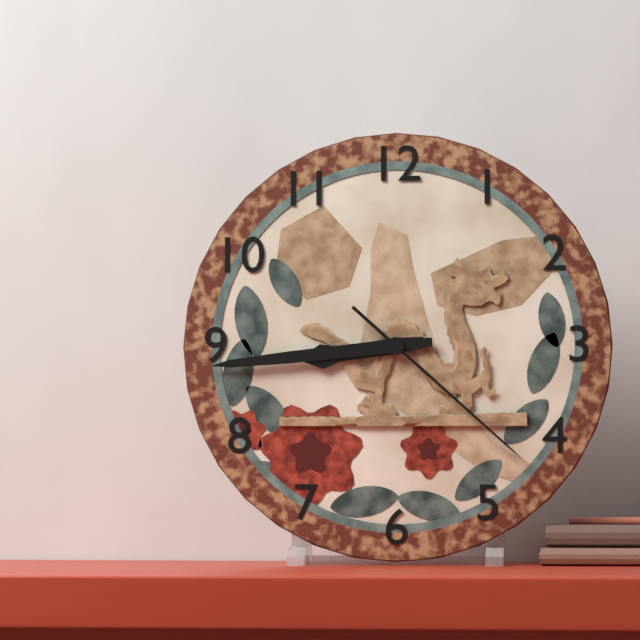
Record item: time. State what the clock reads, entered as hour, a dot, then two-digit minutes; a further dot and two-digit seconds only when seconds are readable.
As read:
8.44.22
